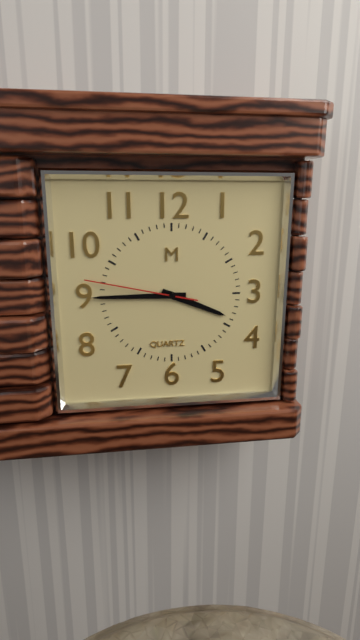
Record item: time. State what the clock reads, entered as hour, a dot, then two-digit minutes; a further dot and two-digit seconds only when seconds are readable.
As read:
3.45.47
